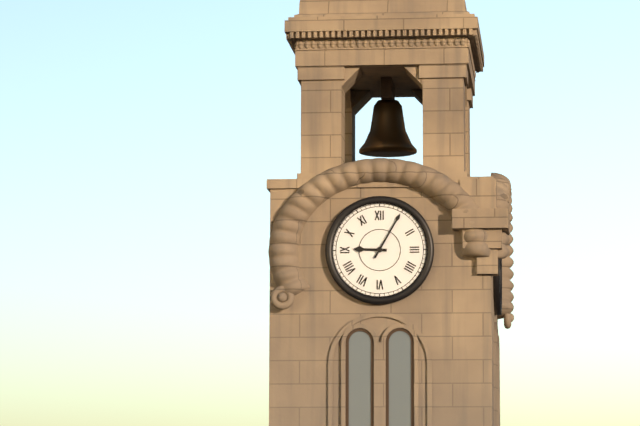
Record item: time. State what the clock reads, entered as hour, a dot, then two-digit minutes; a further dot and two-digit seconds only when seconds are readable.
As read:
9.05
